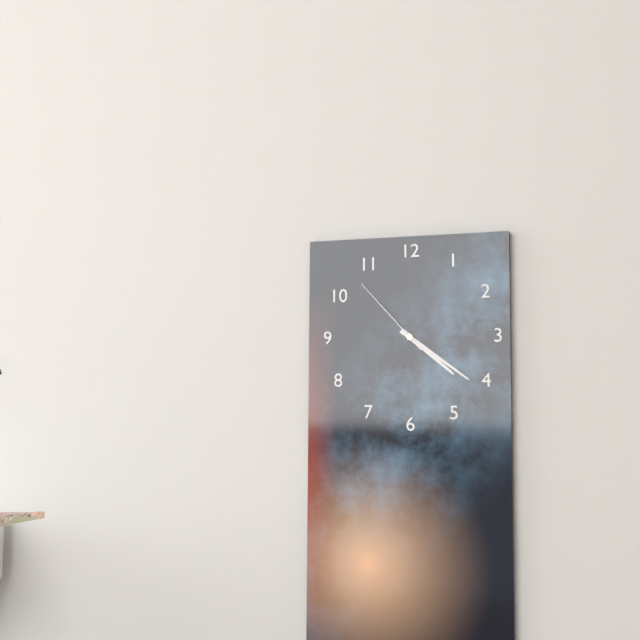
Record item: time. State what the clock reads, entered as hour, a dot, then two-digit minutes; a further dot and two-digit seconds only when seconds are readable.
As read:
4.21.53
